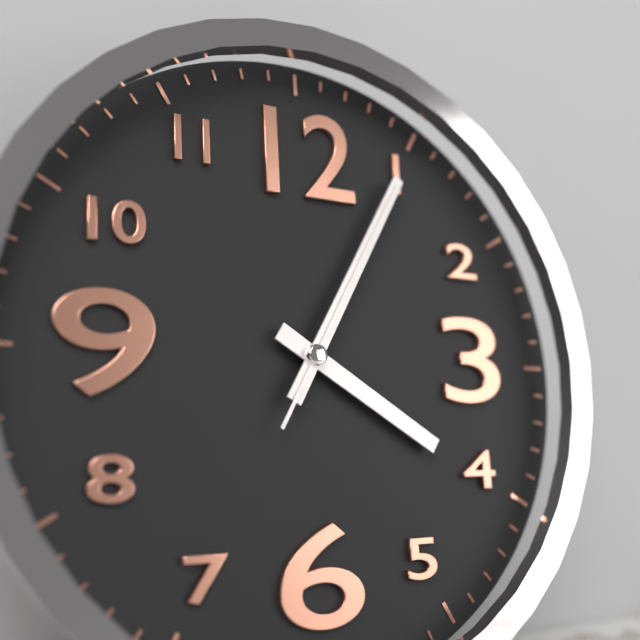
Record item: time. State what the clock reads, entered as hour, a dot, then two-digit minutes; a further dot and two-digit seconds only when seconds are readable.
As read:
4.05.05
